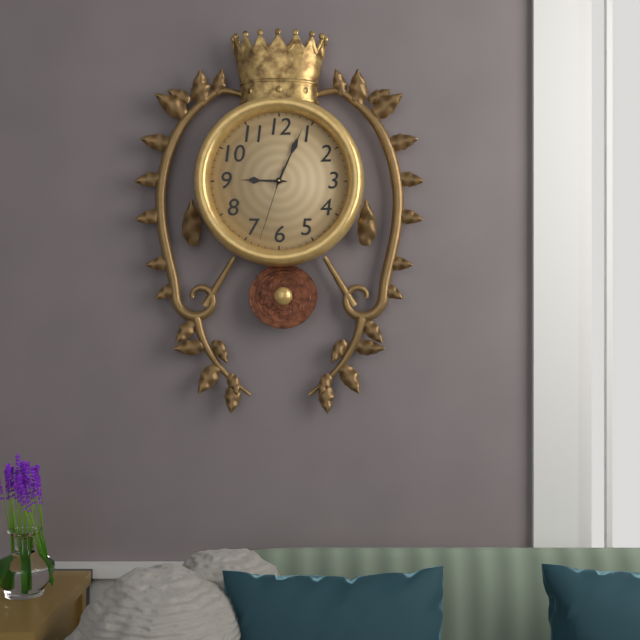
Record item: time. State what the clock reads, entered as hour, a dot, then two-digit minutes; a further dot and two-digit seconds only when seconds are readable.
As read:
9.04.33
